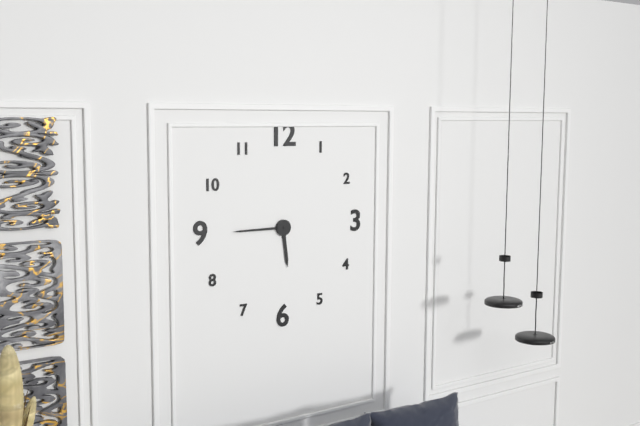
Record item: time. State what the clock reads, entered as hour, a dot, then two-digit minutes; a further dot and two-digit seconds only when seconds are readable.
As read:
5.45
